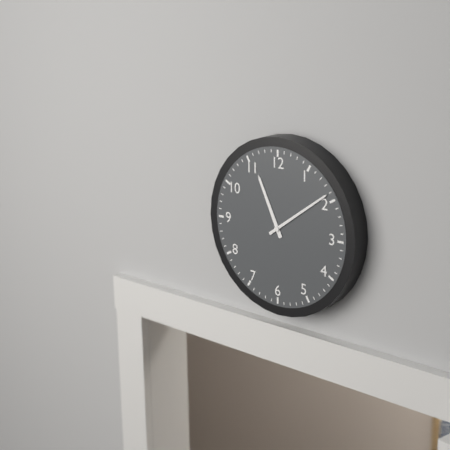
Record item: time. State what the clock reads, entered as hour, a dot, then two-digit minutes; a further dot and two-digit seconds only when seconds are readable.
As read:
11.09
